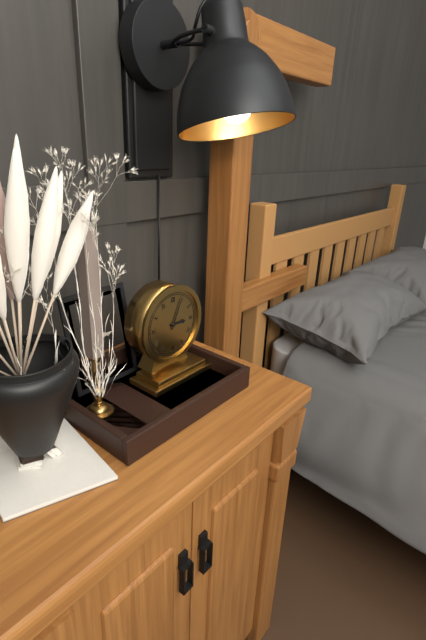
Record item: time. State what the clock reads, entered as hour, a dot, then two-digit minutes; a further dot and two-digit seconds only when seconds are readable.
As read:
3.04
